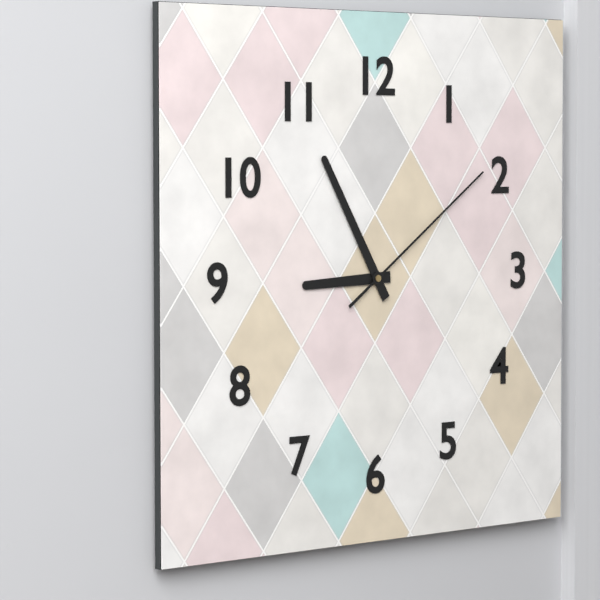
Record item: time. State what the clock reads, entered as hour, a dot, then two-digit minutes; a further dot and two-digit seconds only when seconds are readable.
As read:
8.55.09
